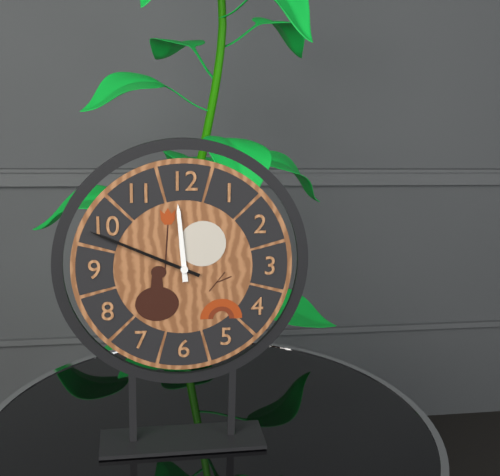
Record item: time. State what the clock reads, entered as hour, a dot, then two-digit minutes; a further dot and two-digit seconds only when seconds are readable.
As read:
11.49
